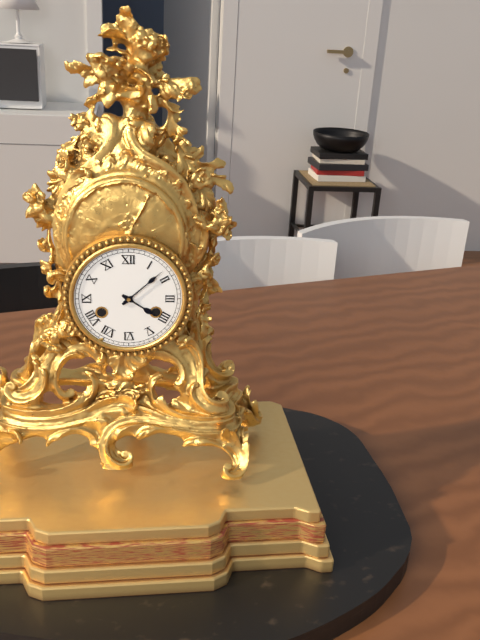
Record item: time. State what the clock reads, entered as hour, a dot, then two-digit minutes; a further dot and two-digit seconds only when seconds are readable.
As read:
4.08
